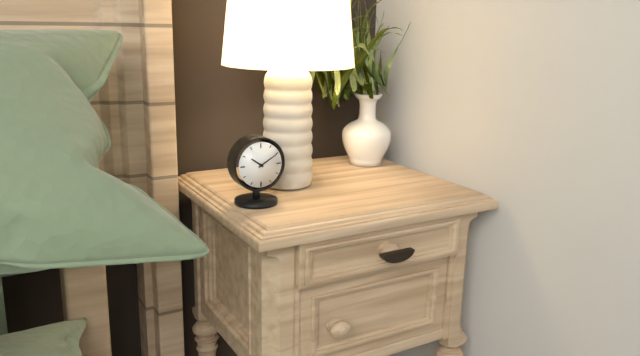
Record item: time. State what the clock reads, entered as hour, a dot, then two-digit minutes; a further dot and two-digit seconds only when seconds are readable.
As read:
10.10
